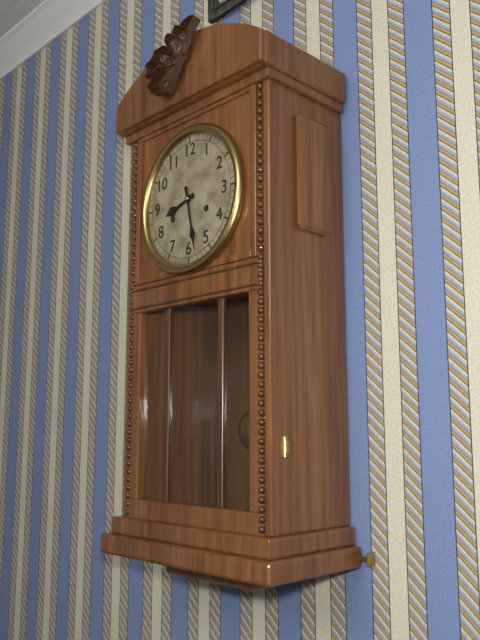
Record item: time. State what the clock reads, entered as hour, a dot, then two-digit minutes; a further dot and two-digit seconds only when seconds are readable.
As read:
8.28
